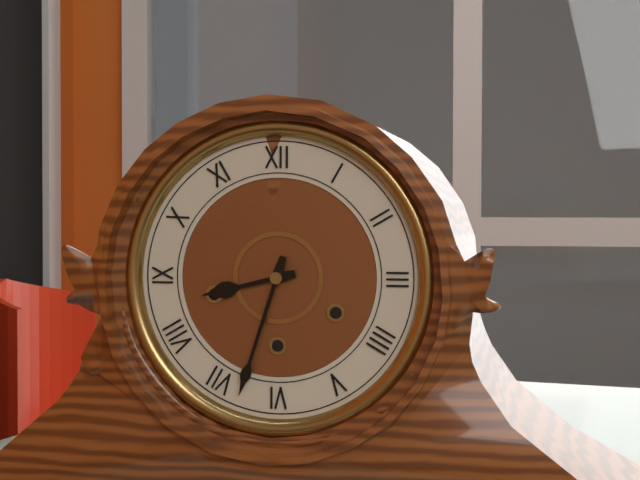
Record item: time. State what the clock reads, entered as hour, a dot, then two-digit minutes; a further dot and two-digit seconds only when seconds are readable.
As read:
8.33
